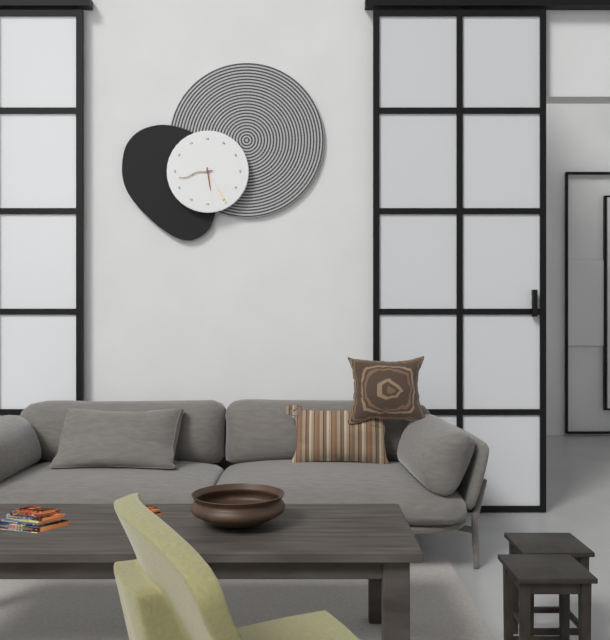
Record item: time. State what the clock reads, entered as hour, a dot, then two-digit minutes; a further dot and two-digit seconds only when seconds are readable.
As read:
5.43
